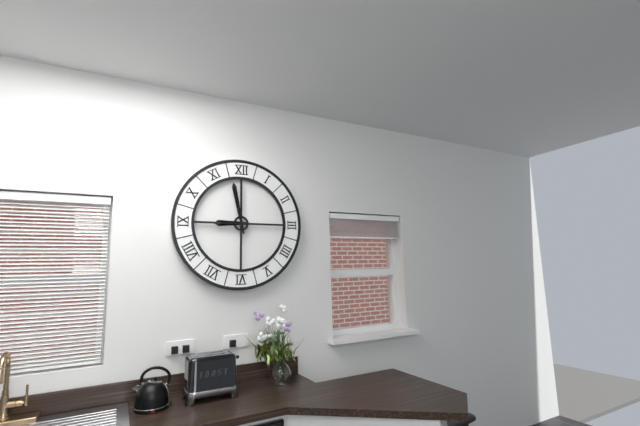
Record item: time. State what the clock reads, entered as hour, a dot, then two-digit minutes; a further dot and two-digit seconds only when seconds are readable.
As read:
8.58
